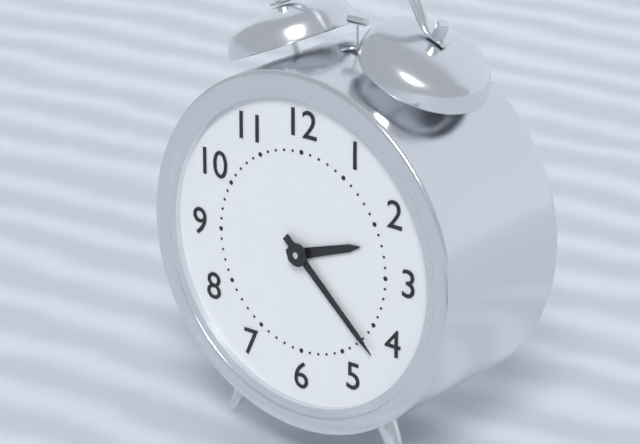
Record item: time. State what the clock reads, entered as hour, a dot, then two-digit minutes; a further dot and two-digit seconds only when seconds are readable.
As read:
2.22
